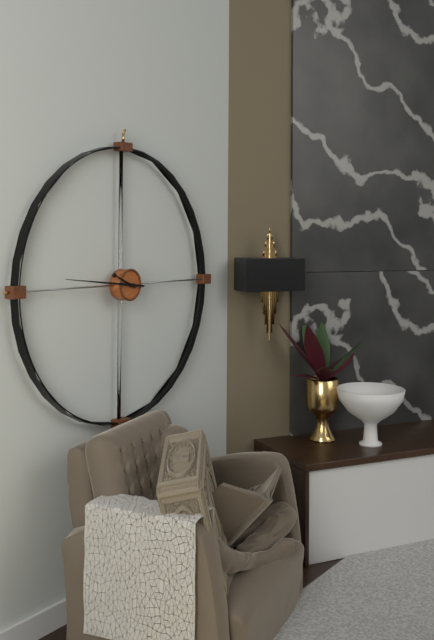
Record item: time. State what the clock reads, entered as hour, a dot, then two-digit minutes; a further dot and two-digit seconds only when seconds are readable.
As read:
9.46
